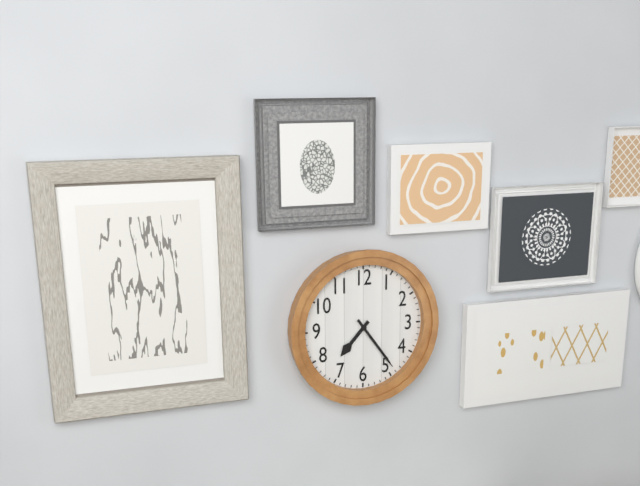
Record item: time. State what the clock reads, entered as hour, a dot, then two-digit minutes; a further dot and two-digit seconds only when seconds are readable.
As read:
7.24
